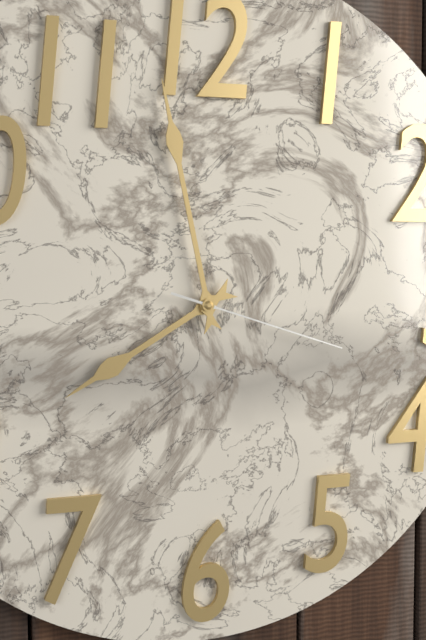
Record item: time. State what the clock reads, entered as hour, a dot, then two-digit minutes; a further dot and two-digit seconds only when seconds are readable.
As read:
7.58.18
